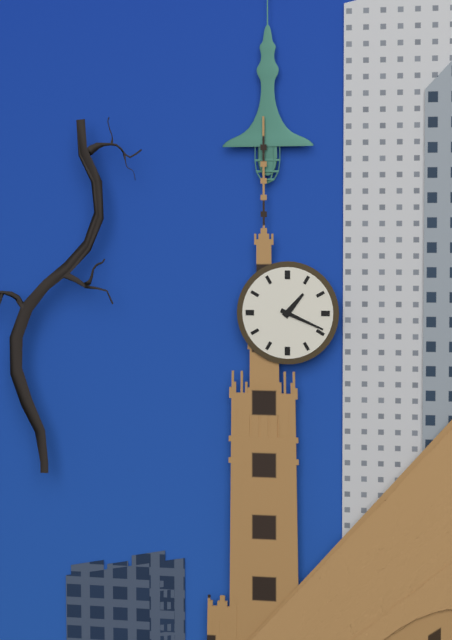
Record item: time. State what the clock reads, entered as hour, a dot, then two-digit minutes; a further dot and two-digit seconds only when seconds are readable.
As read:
1.19
